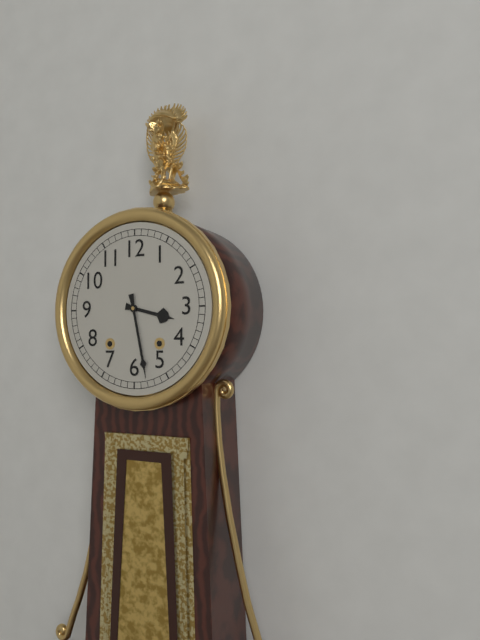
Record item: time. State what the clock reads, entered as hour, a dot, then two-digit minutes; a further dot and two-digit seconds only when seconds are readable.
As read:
3.28
